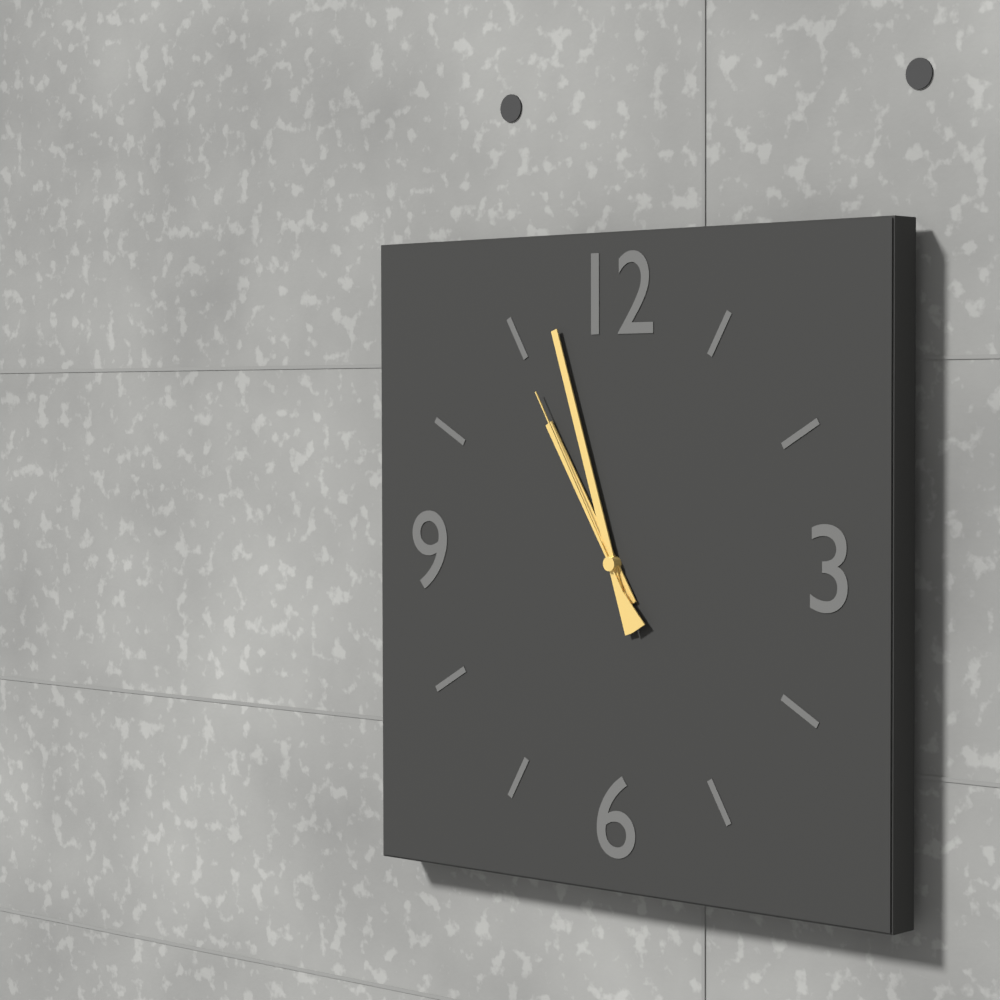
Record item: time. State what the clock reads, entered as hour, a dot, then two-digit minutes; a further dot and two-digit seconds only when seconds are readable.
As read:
10.57.55
